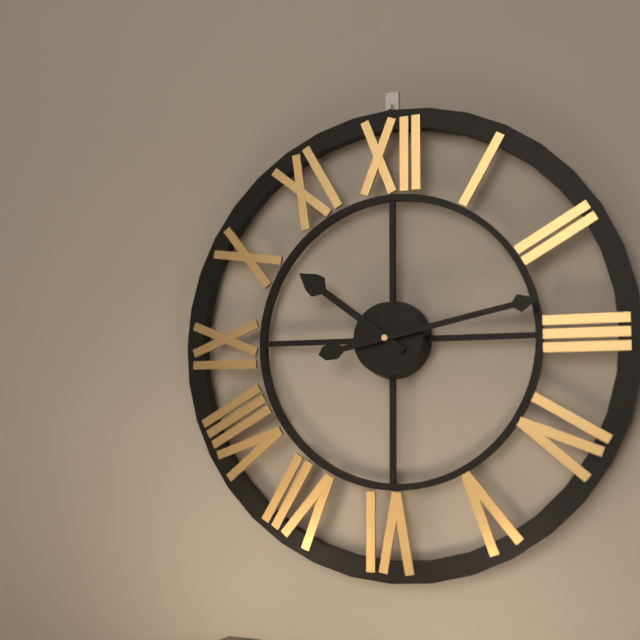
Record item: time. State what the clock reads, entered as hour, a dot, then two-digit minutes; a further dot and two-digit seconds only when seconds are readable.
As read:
10.13
